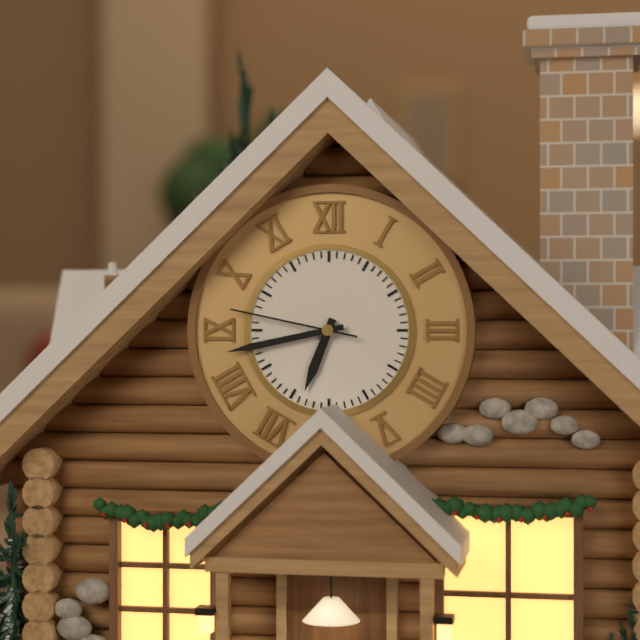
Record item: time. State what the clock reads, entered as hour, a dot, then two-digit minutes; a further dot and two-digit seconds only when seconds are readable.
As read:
6.43.47
